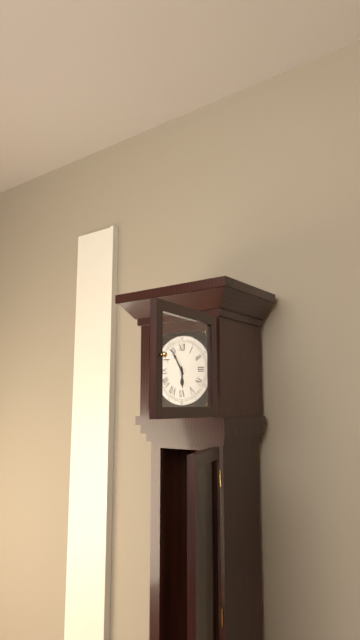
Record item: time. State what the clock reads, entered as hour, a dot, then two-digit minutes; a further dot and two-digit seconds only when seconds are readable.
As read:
5.55
